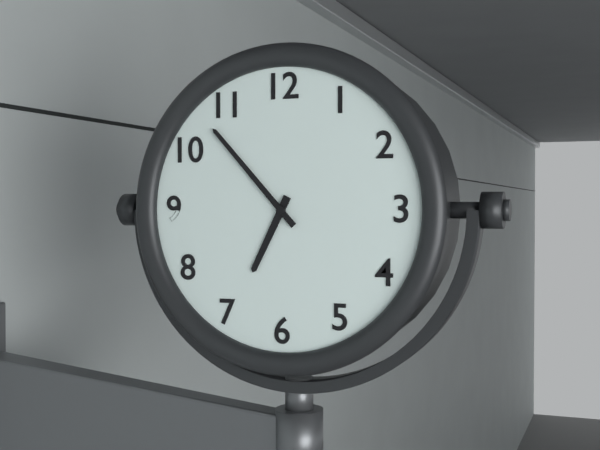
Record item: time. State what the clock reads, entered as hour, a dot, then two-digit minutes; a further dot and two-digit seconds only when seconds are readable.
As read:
6.53
